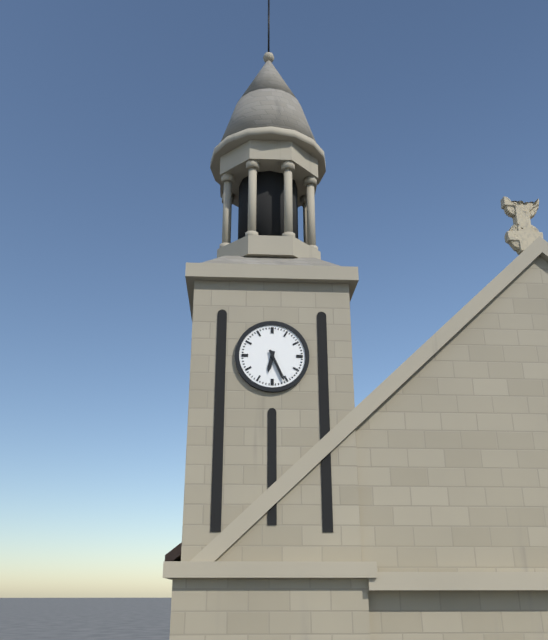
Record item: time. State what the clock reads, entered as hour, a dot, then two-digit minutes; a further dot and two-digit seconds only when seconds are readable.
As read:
6.26
